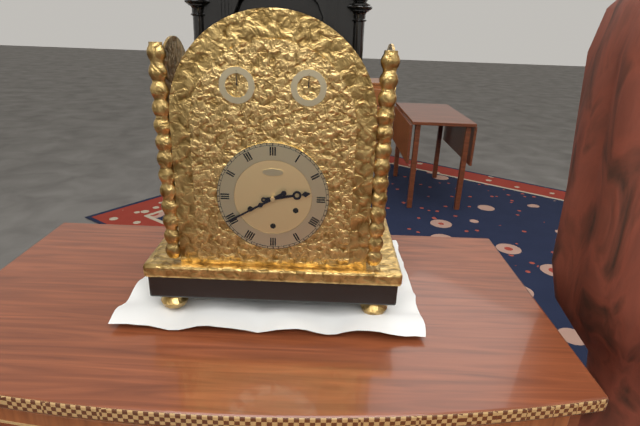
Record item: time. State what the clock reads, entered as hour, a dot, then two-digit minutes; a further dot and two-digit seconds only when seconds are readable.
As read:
2.40
